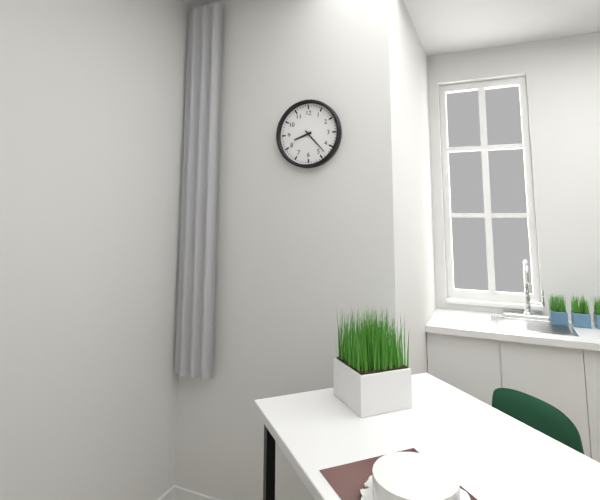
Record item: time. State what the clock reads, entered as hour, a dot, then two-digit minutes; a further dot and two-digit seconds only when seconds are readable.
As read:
8.23
